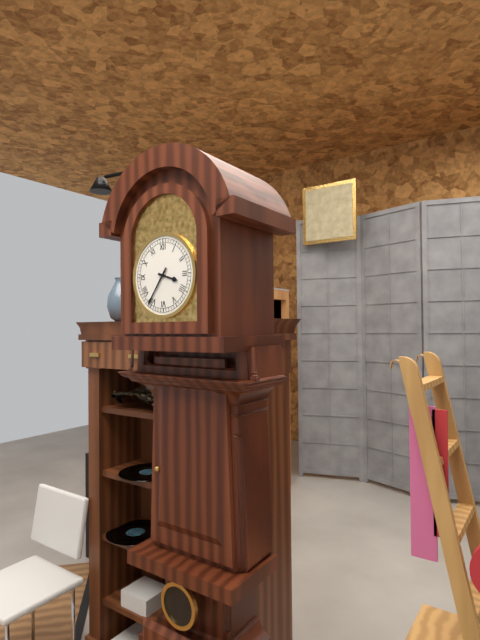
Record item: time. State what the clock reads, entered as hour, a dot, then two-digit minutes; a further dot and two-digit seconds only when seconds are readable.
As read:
3.36
